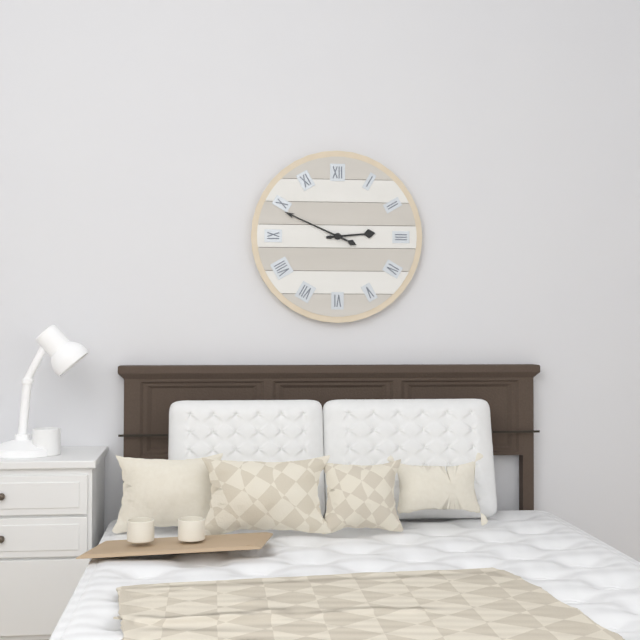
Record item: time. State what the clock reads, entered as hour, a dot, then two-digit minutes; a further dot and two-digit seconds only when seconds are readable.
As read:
2.49
